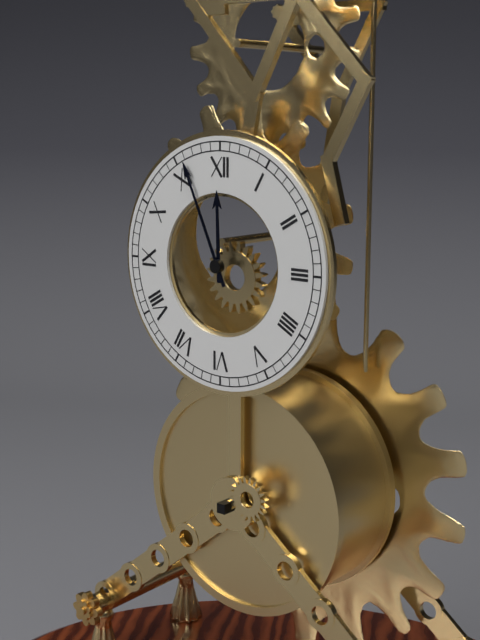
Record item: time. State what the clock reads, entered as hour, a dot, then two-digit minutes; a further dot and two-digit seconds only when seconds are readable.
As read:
11.56
